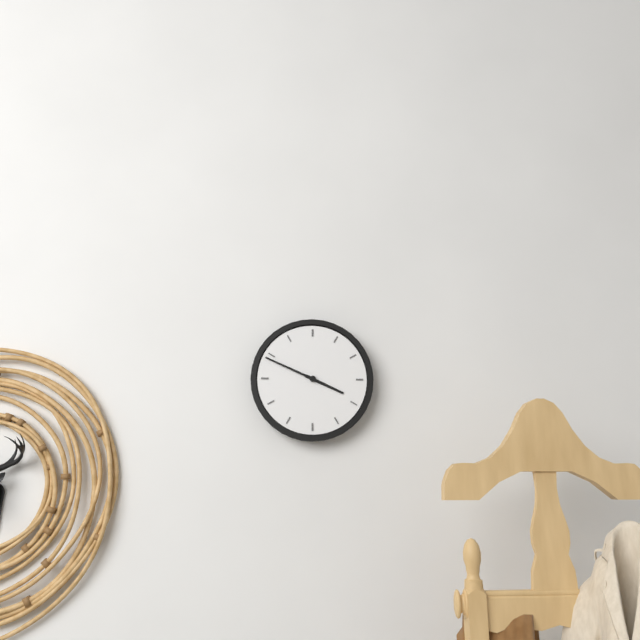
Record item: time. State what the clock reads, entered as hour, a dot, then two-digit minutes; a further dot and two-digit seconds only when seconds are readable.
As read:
3.49
